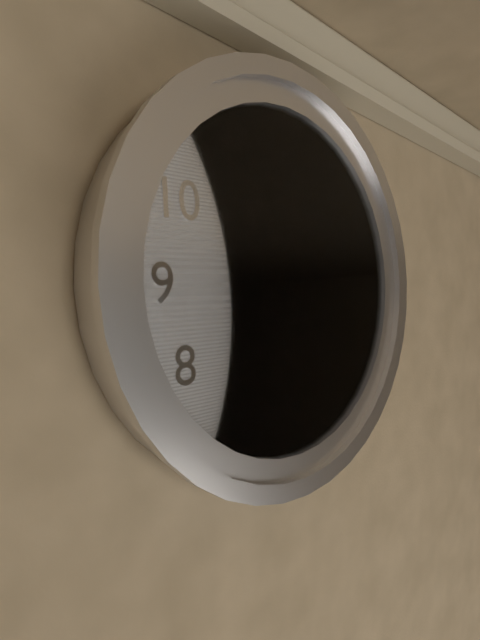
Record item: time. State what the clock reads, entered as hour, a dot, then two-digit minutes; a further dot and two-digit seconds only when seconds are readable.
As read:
3.36.11
